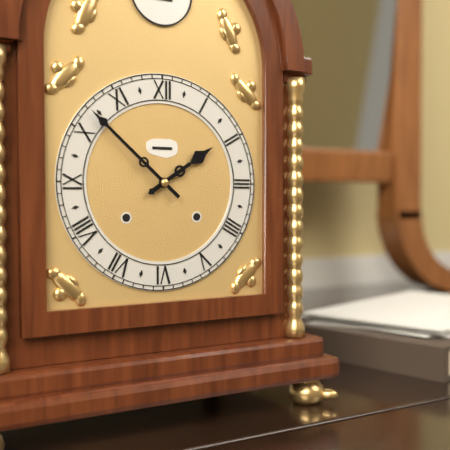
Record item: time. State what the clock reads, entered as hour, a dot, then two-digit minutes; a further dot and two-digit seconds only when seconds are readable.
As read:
1.52
